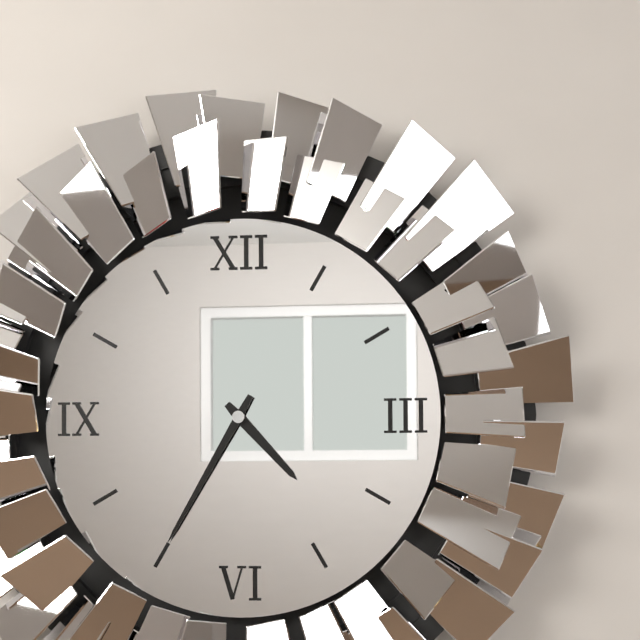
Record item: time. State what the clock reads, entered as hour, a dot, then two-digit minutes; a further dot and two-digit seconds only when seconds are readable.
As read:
4.35
